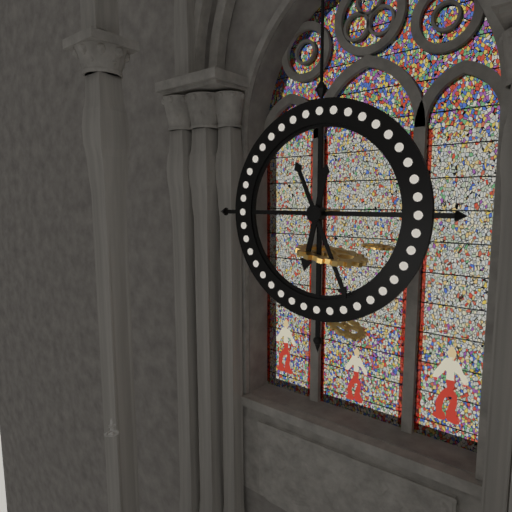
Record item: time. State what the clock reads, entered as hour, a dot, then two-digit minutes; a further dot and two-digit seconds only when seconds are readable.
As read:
6.26
